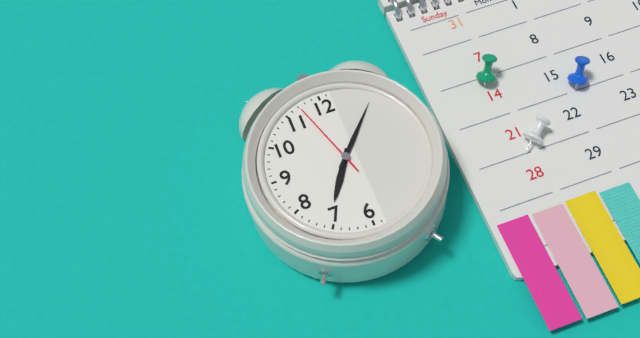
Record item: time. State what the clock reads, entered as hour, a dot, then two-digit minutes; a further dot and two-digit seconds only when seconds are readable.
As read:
7.07.57
